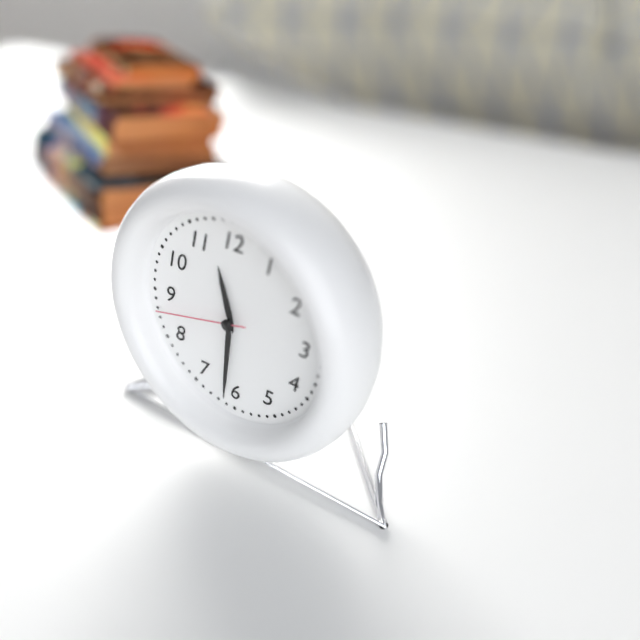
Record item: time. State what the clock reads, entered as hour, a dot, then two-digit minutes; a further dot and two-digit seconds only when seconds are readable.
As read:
11.31.43
